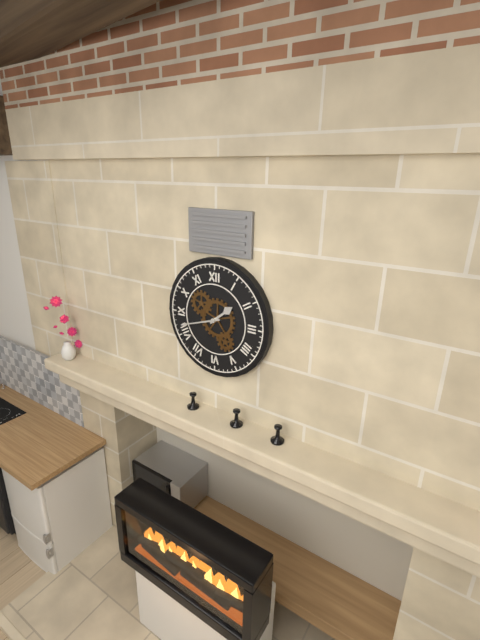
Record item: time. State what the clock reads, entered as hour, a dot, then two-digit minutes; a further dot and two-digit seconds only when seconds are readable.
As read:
1.42
